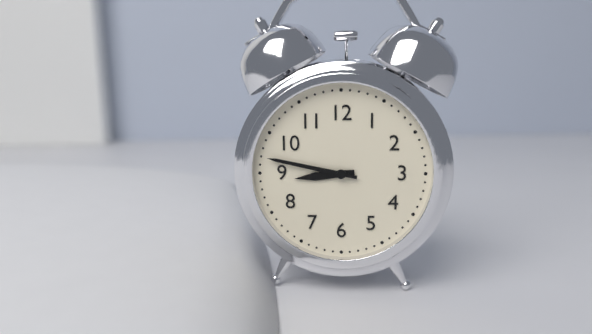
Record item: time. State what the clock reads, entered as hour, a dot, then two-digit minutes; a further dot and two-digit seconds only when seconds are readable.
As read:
8.47
